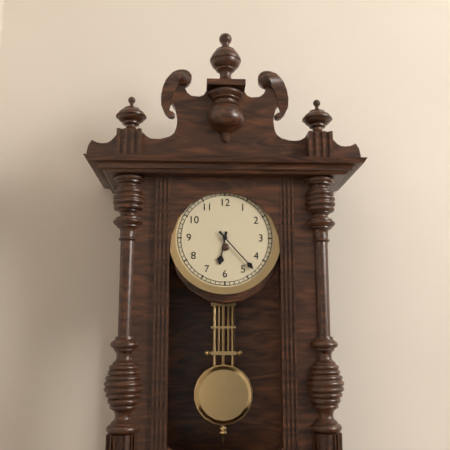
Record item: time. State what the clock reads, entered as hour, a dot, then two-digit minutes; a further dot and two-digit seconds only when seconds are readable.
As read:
6.23
